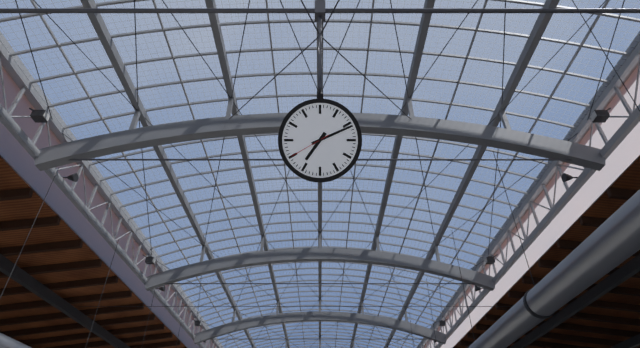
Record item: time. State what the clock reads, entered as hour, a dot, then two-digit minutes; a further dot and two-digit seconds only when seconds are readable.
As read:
7.11
